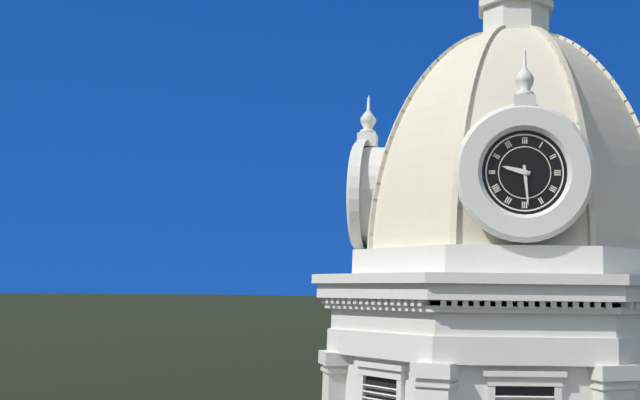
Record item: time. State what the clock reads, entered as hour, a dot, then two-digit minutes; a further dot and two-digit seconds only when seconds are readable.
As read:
9.29
